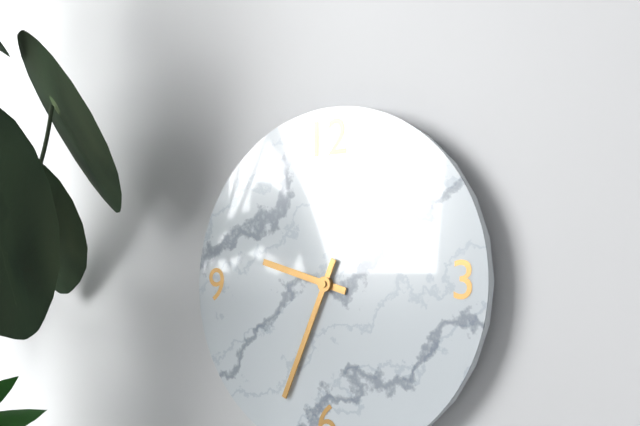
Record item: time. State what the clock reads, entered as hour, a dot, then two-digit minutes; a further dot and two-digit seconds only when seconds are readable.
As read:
9.34
